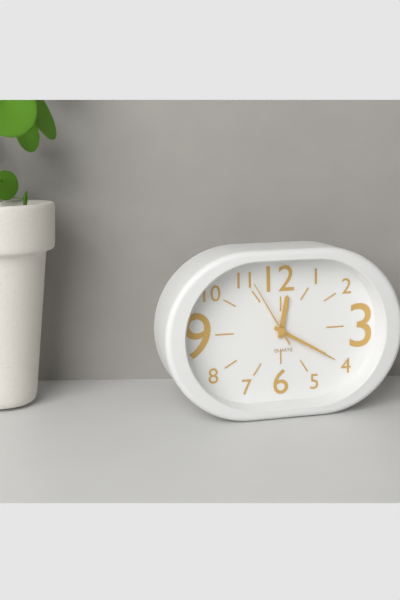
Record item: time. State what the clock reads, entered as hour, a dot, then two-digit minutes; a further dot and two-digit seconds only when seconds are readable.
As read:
12.20.55
